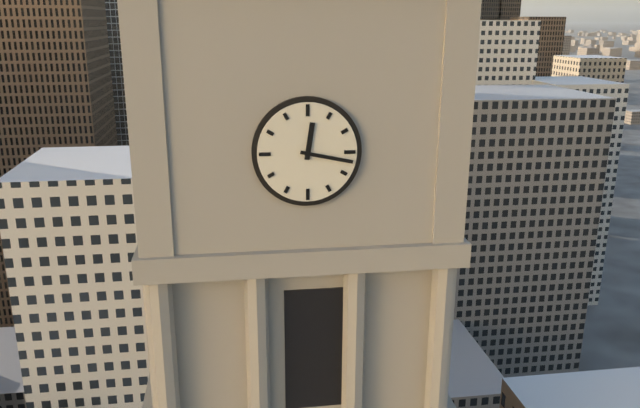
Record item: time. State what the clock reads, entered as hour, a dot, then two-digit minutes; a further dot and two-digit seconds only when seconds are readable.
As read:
12.17
